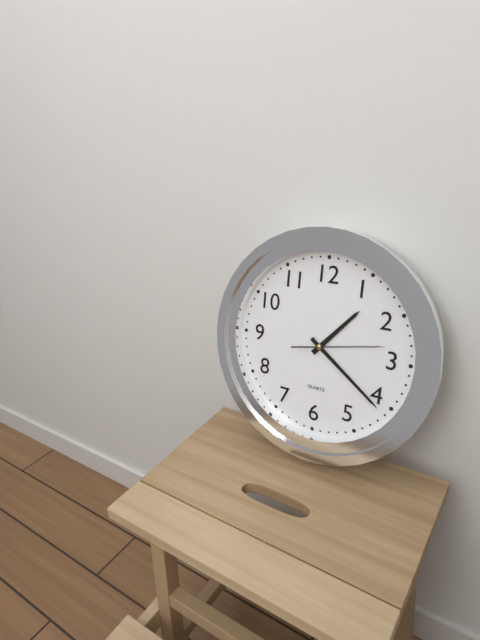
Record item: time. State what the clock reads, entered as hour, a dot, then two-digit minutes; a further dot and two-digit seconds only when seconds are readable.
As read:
1.21.13
